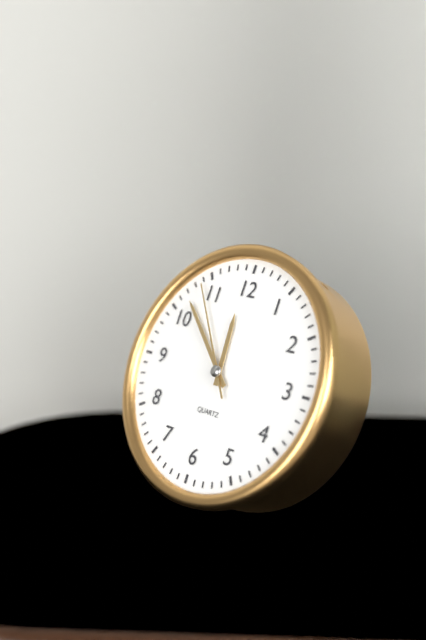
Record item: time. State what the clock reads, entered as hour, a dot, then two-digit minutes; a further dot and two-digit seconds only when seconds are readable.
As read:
11.52.54
